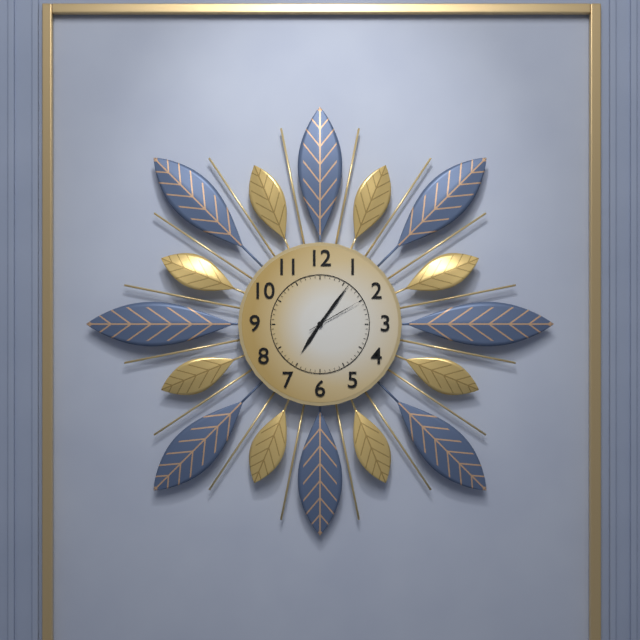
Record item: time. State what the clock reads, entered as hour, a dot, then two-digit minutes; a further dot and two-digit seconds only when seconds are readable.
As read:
7.06.10
